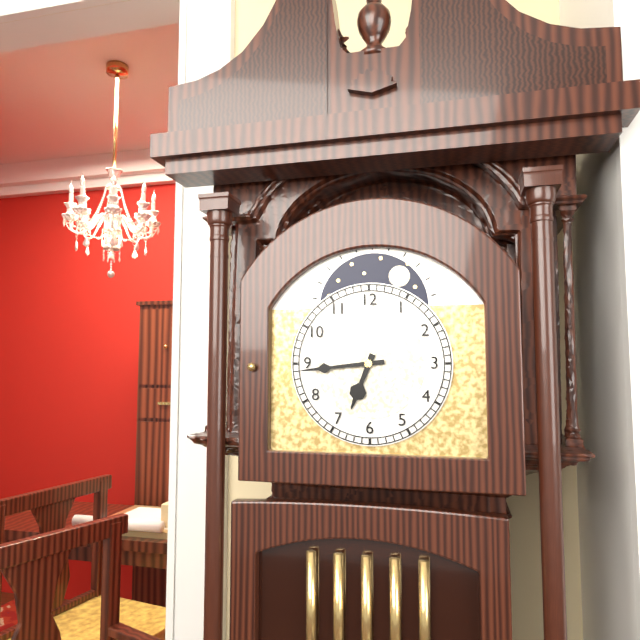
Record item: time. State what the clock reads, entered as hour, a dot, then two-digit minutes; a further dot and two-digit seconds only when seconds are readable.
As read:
6.44
